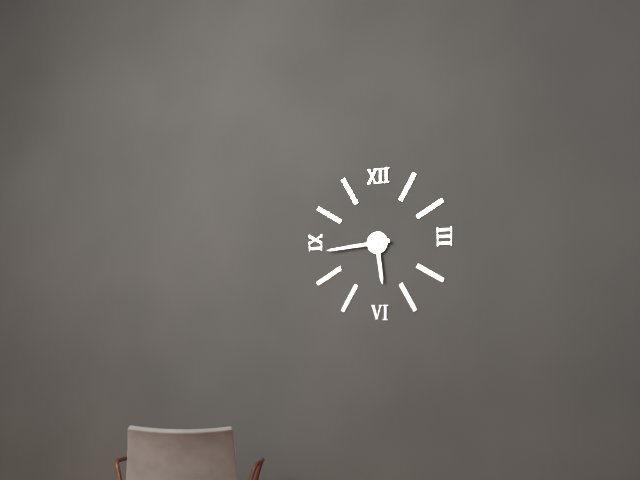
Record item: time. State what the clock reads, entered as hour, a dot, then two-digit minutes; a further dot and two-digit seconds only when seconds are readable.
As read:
5.44
